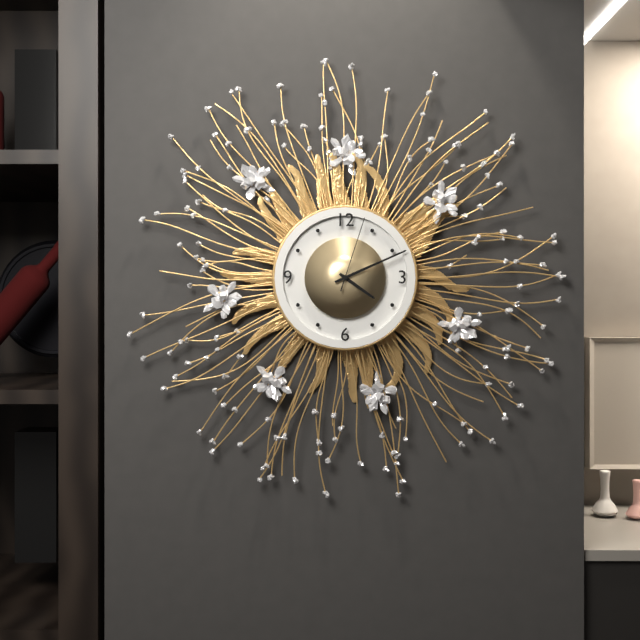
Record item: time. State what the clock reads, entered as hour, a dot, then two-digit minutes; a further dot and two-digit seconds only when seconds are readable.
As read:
4.11.03
